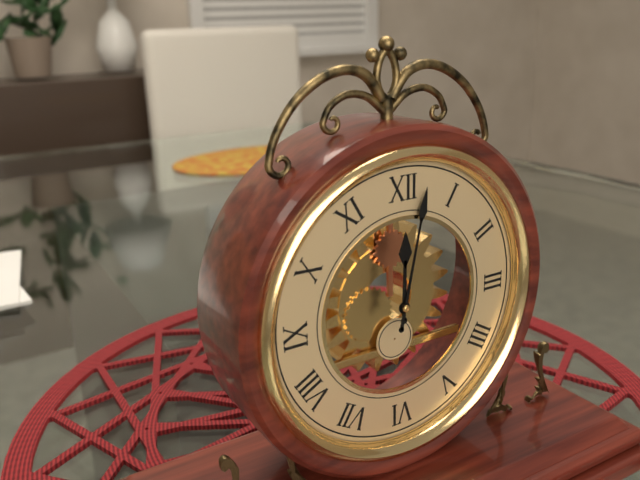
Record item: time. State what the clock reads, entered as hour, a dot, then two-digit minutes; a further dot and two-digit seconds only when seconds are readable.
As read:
12.02
